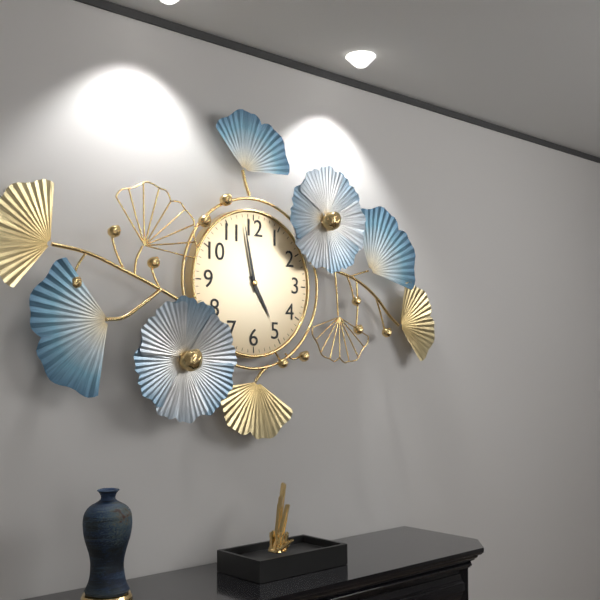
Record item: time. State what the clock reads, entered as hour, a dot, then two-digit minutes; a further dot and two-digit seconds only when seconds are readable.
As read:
4.58
